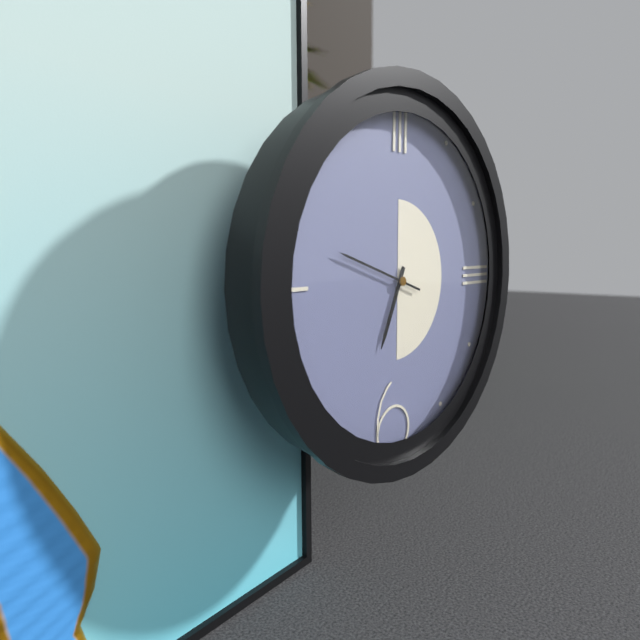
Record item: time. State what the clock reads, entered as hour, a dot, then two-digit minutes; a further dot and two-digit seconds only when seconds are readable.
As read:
6.48
